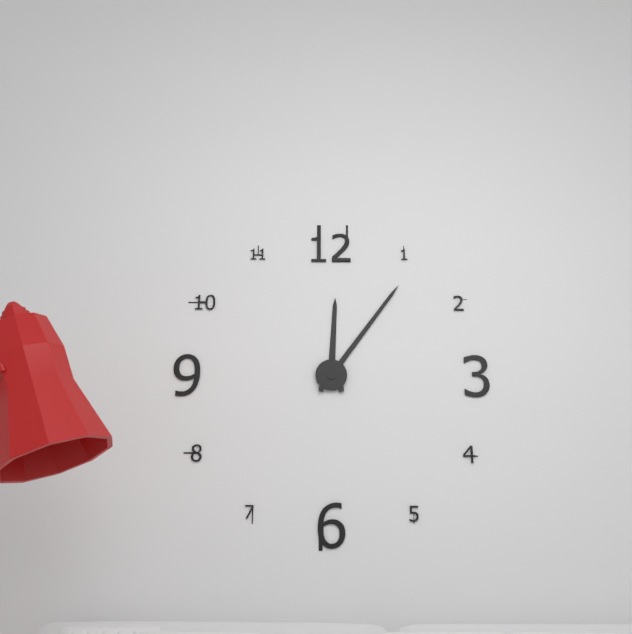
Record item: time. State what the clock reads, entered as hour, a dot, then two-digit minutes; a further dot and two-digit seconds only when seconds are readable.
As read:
12.06
